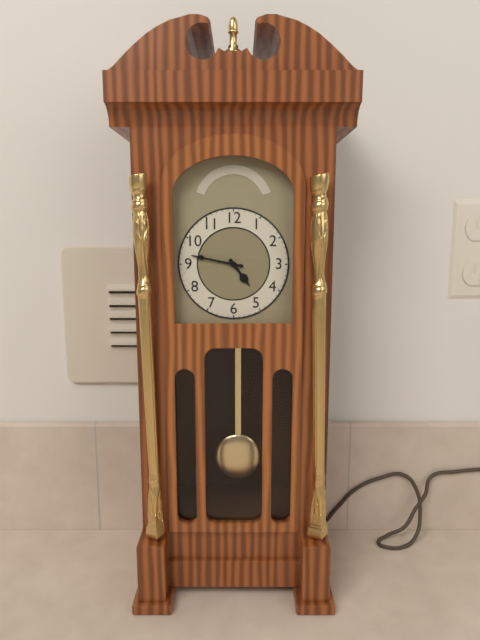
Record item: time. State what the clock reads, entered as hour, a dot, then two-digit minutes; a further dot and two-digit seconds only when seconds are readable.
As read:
4.47
